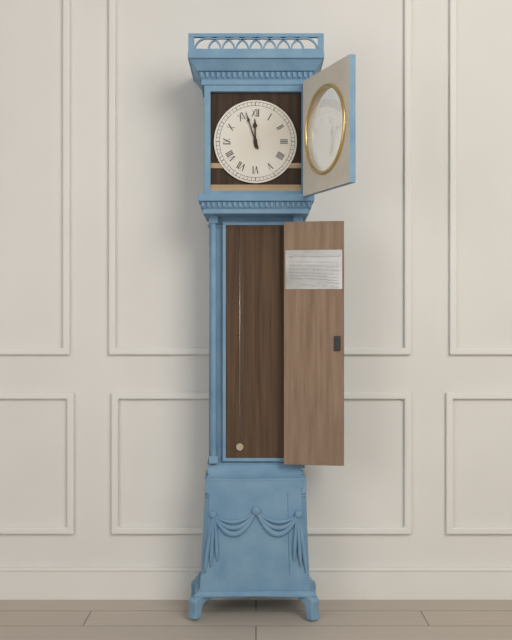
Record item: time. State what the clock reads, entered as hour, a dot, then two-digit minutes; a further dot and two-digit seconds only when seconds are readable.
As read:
11.57
